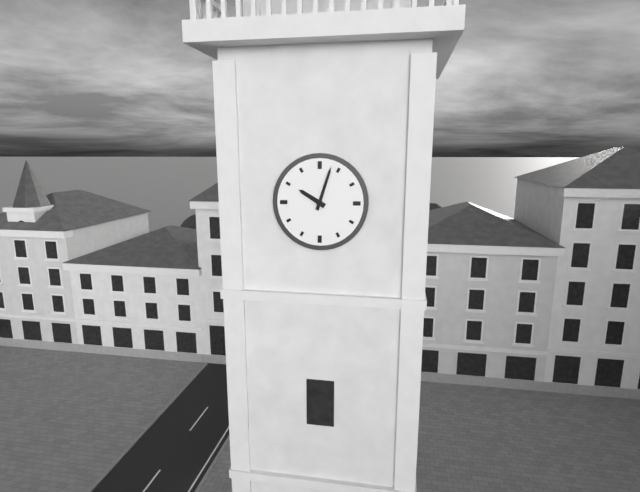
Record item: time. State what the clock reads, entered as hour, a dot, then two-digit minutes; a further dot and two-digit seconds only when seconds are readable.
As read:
10.03
